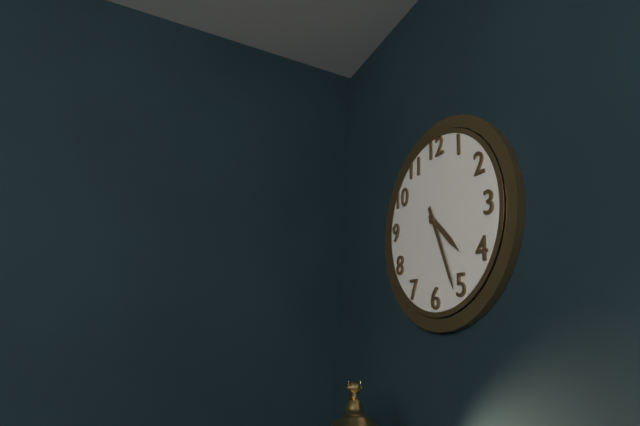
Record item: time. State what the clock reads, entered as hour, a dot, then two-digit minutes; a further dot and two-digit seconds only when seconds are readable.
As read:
4.26
